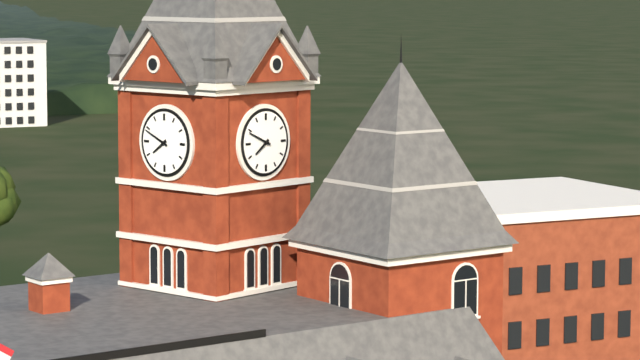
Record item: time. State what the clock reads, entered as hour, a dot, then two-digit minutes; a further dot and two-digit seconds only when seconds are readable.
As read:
7.49
